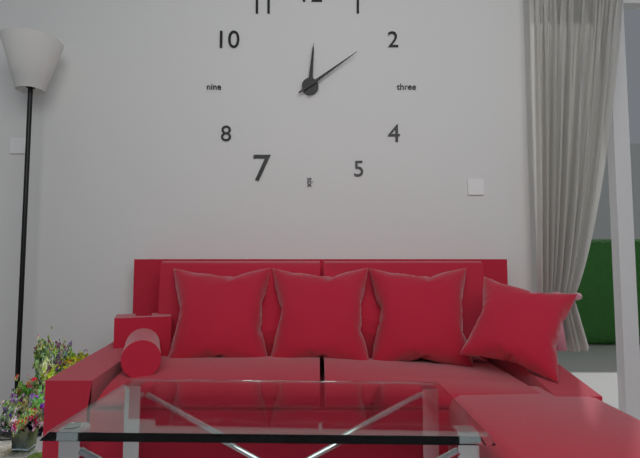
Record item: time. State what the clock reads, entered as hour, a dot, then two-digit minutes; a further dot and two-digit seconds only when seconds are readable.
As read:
12.09
